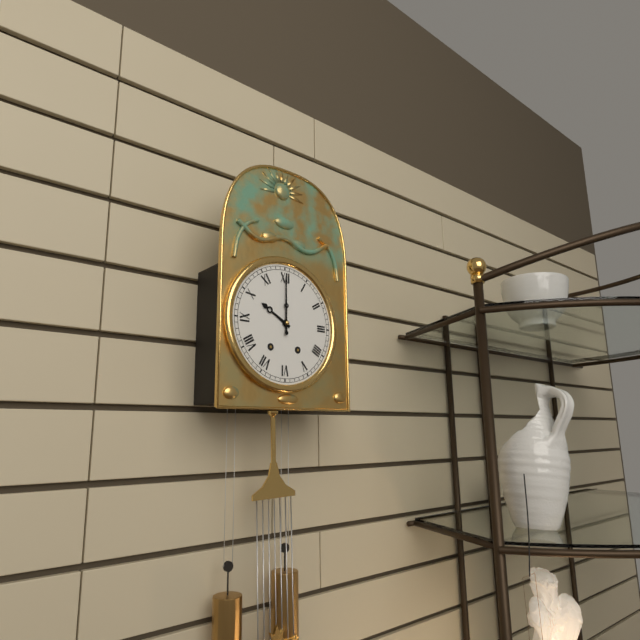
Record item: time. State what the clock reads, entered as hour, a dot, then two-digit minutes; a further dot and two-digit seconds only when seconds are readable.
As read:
10.00
